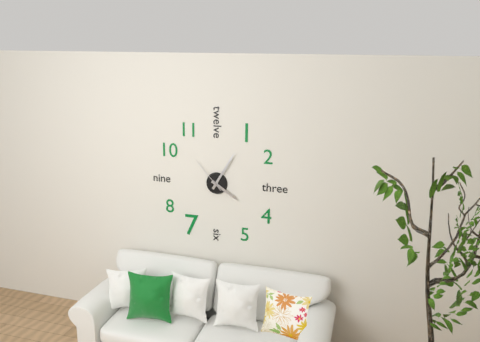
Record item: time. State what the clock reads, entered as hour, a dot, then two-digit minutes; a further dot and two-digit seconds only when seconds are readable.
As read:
4.05
